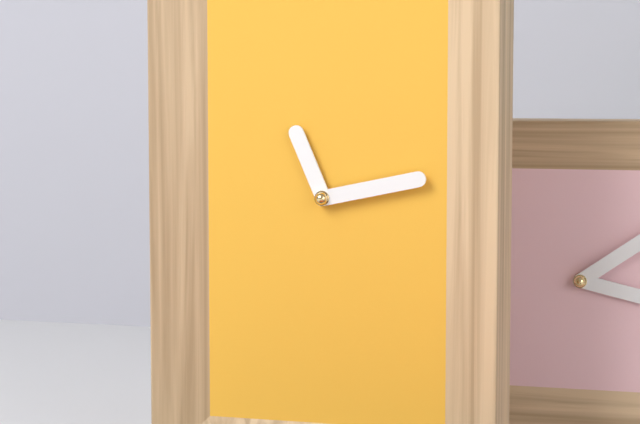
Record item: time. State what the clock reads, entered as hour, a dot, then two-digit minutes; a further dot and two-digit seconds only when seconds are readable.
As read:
11.13
